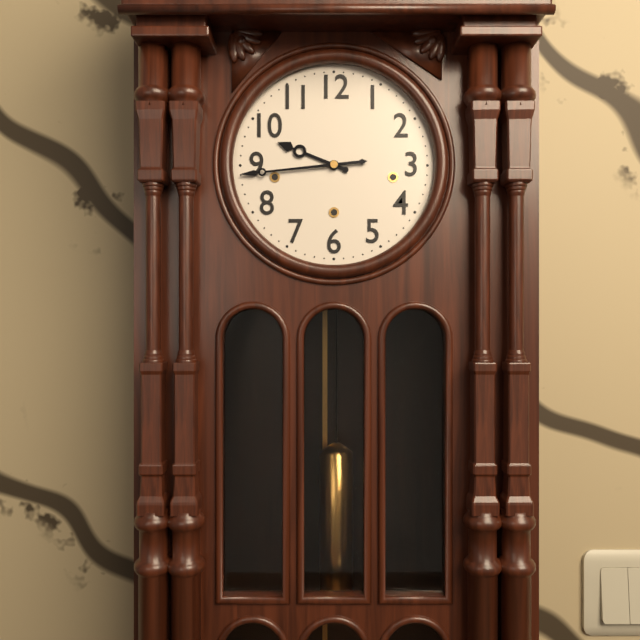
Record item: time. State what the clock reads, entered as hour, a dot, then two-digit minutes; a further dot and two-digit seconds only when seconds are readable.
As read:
9.44
